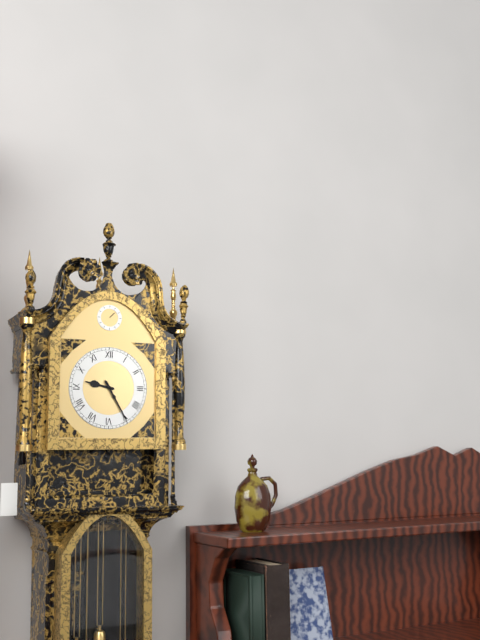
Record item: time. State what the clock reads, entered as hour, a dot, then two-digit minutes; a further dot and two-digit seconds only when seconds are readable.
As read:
9.25
